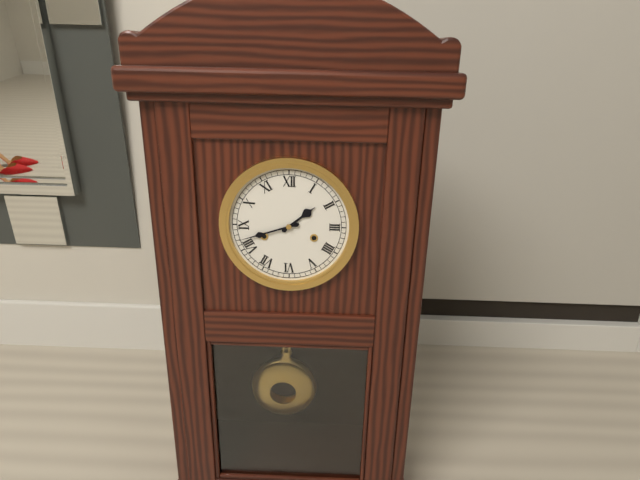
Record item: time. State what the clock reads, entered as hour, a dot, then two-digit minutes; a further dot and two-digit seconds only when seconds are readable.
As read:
1.42
